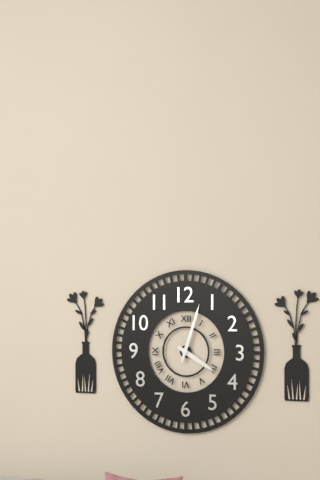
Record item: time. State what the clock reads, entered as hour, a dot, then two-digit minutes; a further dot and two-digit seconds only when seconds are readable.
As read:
4.03
